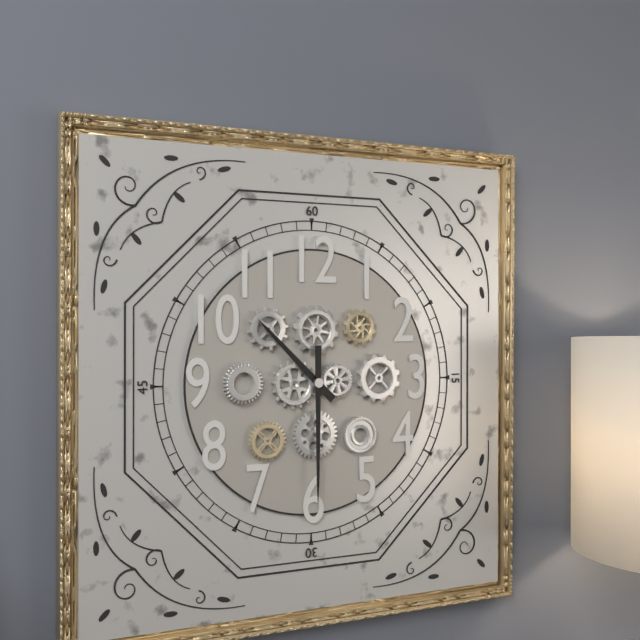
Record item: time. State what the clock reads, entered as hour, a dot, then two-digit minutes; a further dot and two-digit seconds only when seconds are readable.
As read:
10.30
